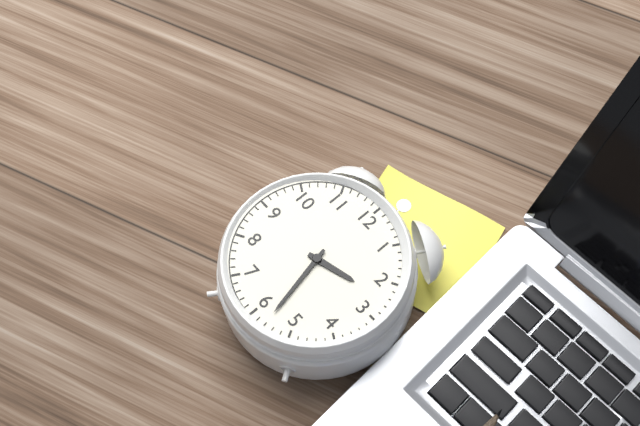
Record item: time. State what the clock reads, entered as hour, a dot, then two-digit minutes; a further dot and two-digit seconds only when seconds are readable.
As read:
2.28
